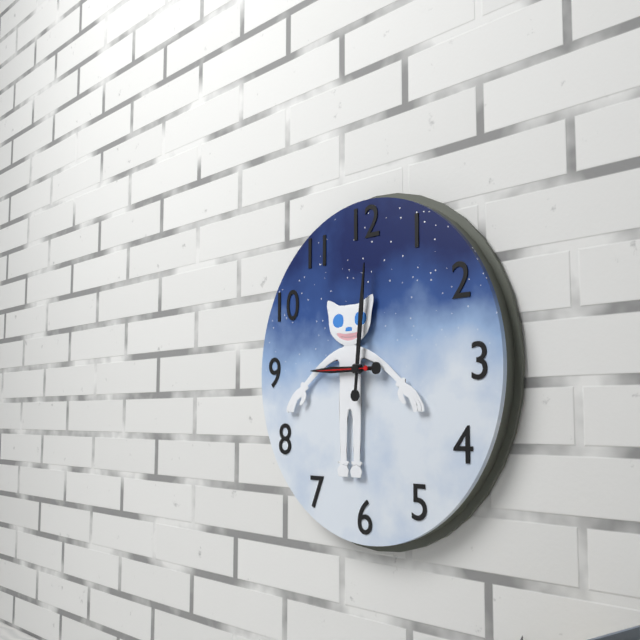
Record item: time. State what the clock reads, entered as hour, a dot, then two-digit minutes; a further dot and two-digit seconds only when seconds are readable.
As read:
9.01.45
